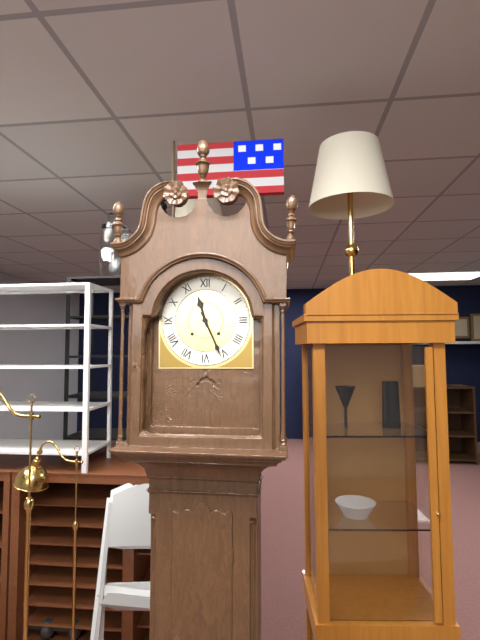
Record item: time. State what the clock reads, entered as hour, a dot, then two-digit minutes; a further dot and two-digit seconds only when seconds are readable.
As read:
11.26
